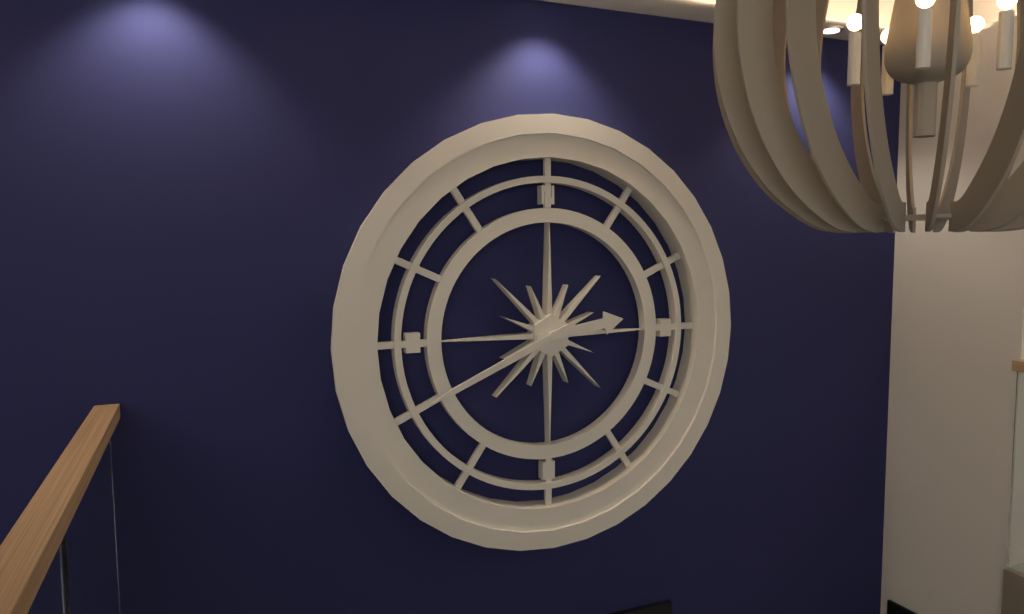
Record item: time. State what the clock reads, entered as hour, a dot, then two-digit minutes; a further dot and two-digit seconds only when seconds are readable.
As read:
2.41
